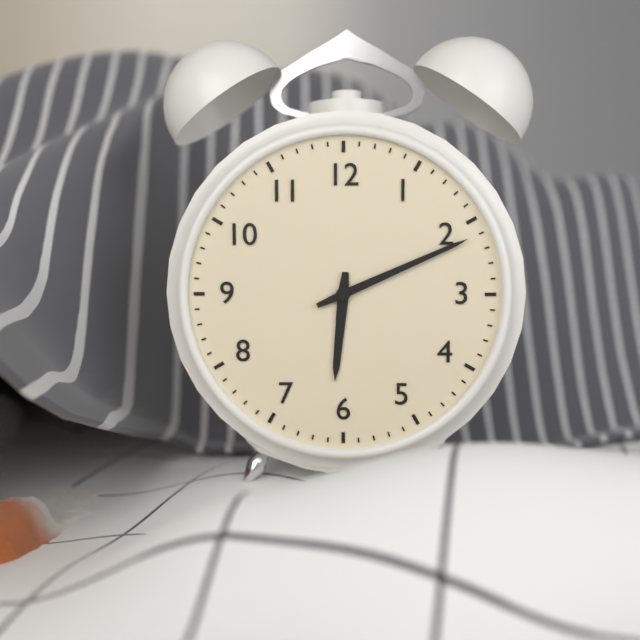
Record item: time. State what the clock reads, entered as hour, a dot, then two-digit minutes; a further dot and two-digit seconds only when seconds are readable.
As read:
6.11
